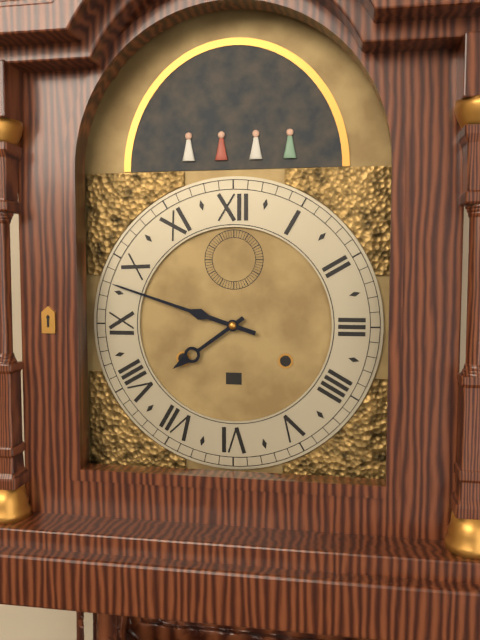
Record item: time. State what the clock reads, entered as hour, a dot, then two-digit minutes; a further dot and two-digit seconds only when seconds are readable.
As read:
7.48
